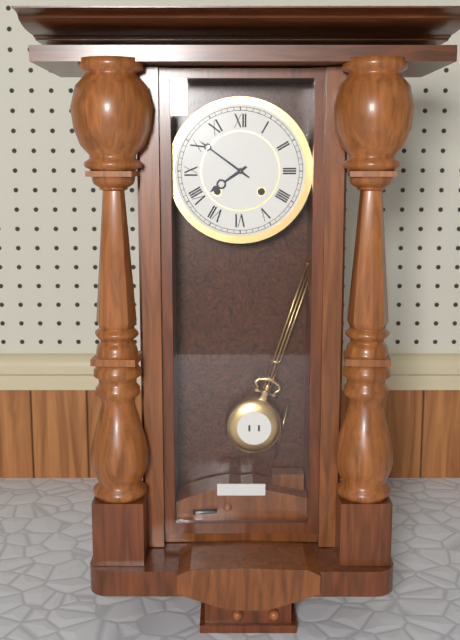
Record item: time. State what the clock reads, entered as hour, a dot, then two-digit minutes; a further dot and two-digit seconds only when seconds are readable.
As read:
7.51
